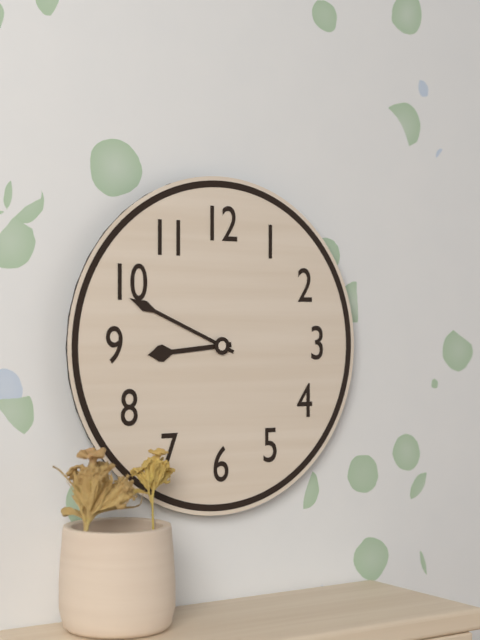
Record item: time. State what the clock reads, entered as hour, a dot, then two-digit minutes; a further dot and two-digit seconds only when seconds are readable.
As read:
8.49
